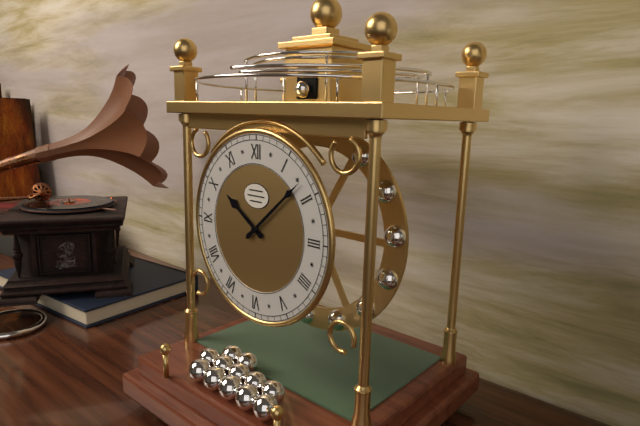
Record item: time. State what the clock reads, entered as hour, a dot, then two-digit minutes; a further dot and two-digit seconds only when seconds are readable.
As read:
10.08
